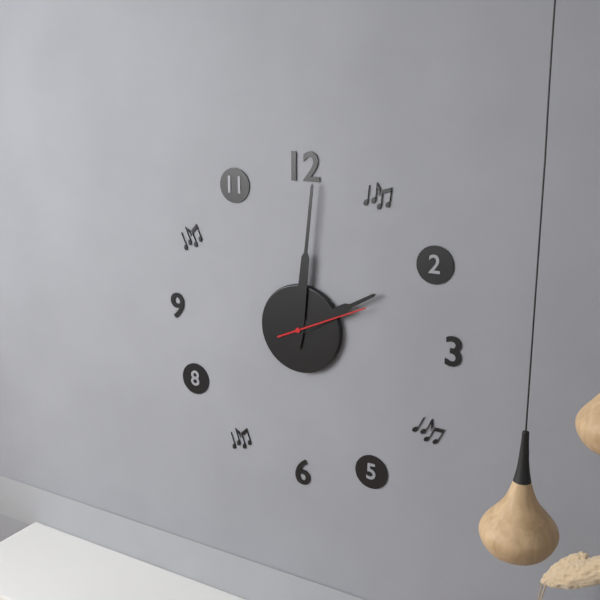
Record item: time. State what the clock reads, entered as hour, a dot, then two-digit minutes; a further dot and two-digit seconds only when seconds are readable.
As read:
2.01.11
